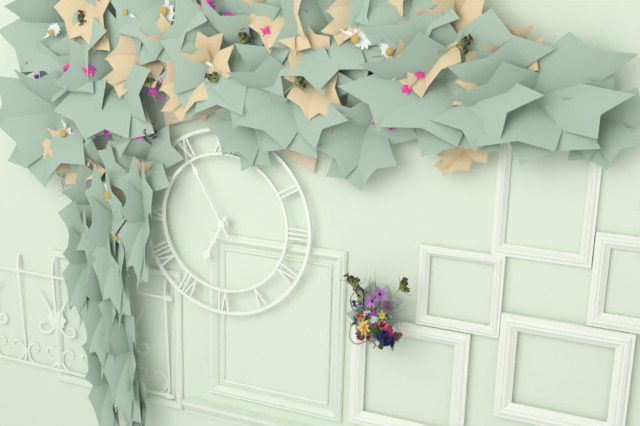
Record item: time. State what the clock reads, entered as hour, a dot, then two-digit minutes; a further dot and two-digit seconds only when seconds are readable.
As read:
6.55
